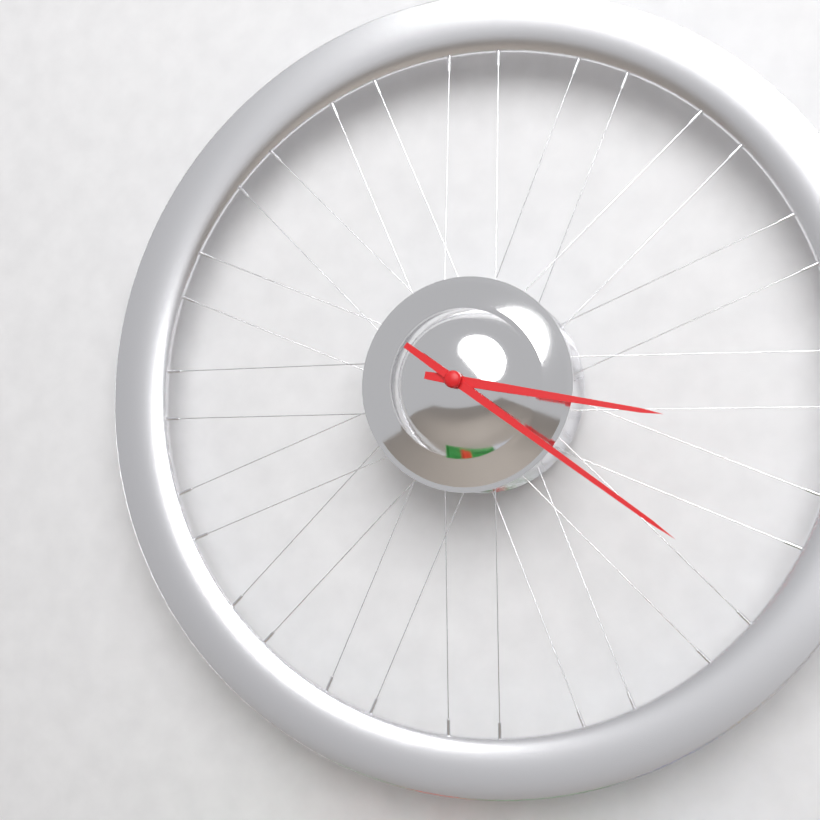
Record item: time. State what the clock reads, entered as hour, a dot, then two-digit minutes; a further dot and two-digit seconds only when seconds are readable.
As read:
3.21
